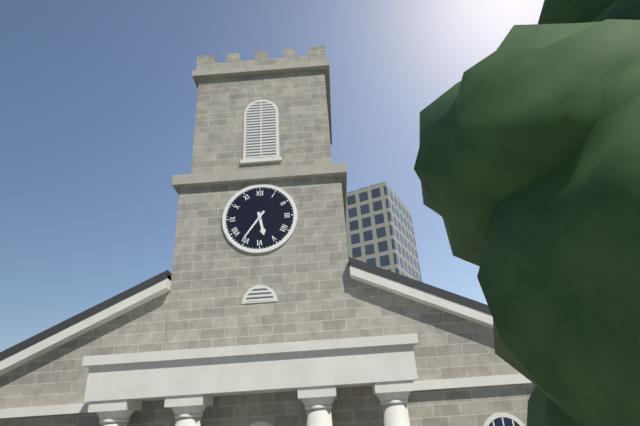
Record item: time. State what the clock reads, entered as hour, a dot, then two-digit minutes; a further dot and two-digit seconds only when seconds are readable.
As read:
5.36
